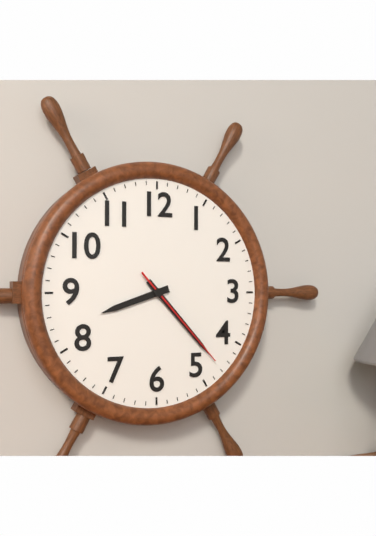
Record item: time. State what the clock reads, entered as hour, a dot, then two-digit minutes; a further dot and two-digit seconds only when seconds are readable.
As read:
8.23.23
